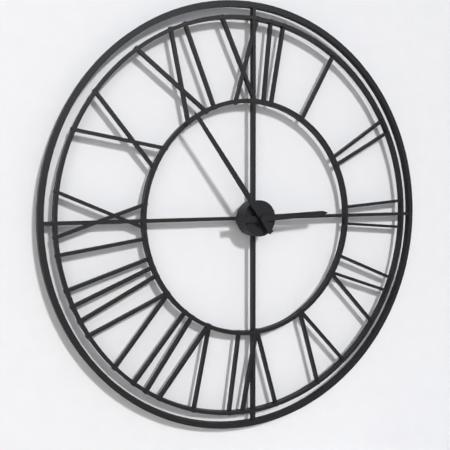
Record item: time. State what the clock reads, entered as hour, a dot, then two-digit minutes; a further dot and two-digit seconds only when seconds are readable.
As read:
2.54
